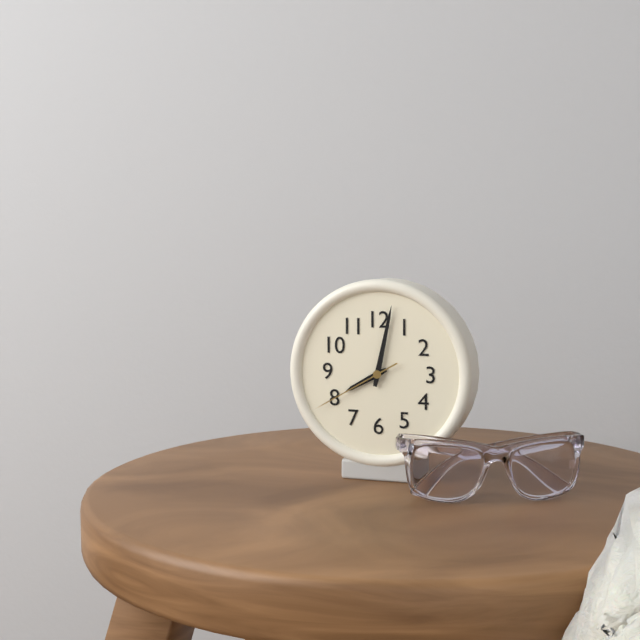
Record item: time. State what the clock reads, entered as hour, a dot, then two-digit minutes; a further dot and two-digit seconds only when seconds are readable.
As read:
8.02.40
